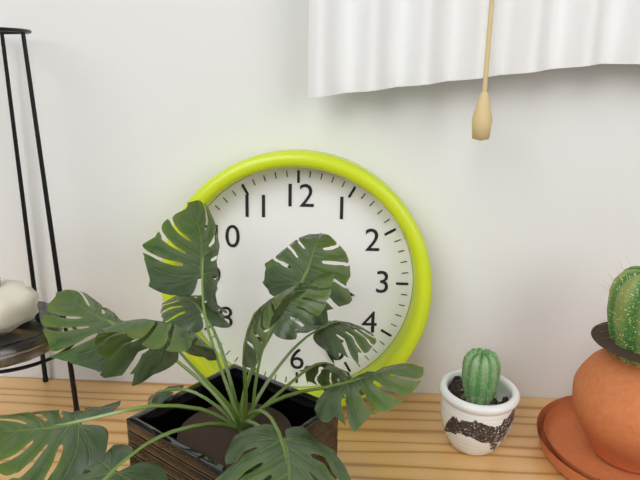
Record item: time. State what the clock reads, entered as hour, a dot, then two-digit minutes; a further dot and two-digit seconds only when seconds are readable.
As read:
3.26
